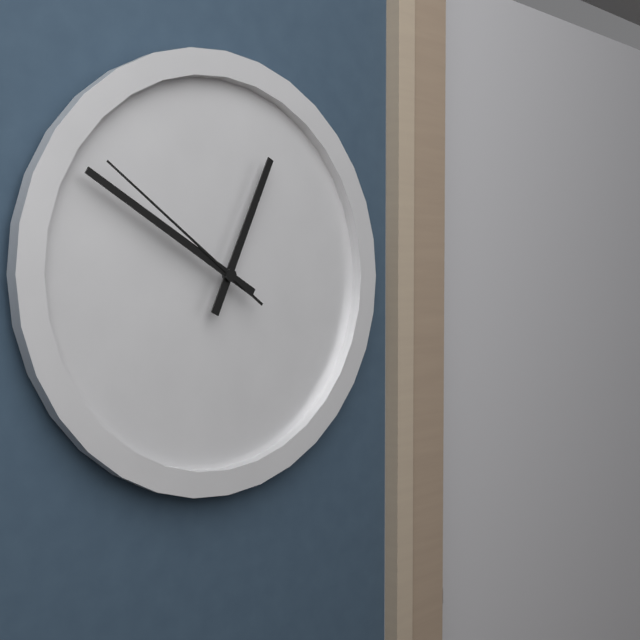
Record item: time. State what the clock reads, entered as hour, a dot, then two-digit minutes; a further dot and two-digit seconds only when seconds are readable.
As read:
12.50.51
